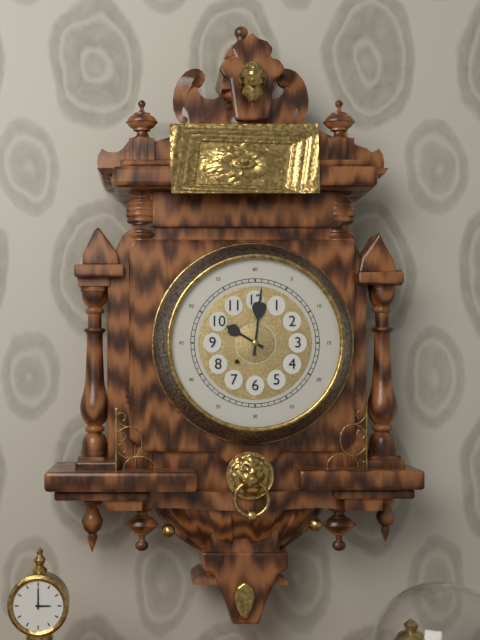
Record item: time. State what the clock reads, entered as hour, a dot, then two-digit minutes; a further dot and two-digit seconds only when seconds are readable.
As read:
10.01
